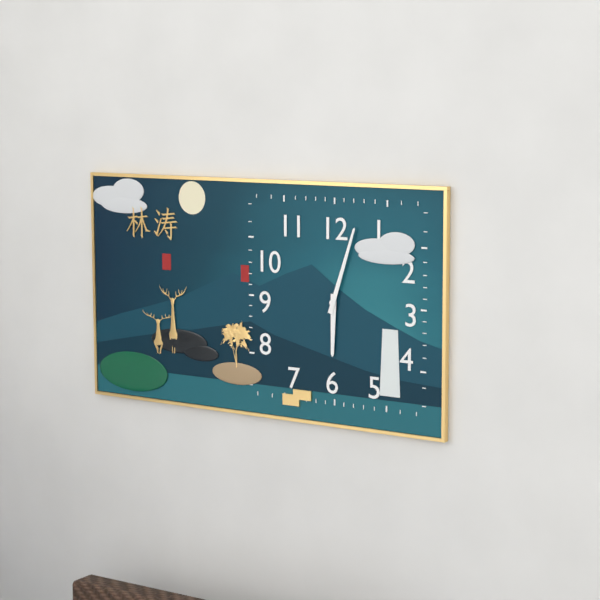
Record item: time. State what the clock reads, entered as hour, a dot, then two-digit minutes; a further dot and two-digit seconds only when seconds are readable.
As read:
6.03
